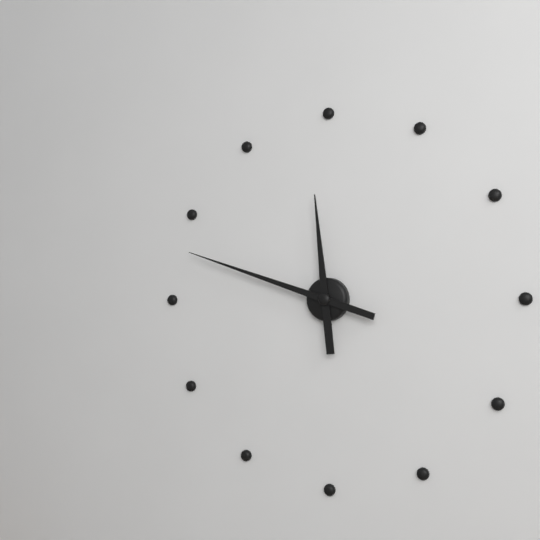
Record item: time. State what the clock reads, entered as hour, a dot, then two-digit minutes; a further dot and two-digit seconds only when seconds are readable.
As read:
11.48
